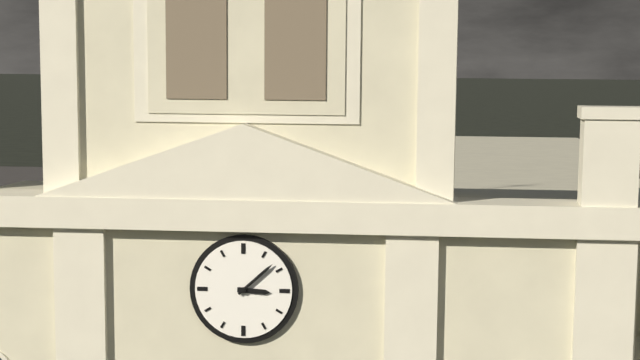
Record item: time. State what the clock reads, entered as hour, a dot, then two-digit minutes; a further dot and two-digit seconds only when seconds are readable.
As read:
3.08
